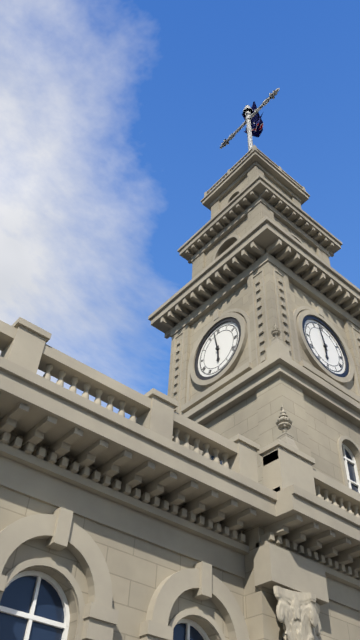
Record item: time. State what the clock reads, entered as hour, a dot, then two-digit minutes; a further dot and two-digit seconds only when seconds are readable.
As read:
5.58
